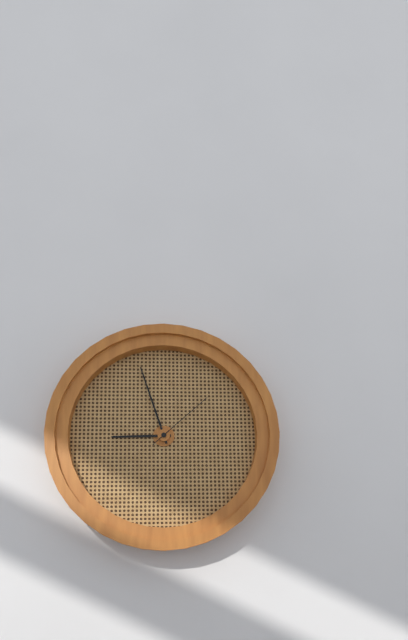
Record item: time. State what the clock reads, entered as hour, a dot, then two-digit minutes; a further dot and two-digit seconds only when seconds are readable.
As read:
8.57.08
